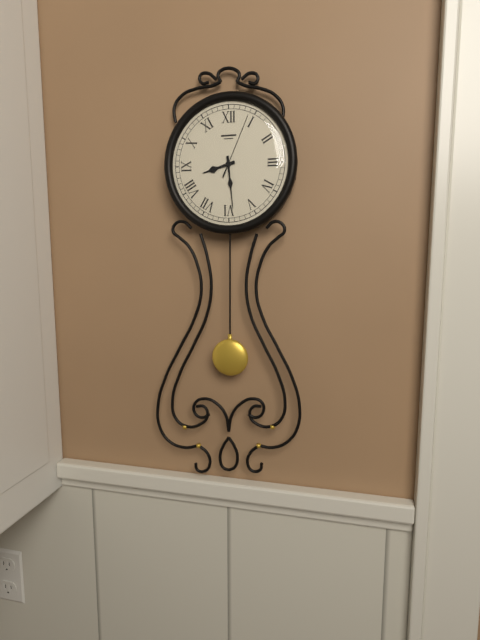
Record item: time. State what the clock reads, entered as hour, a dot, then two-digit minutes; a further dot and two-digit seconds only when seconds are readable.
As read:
8.29.04
